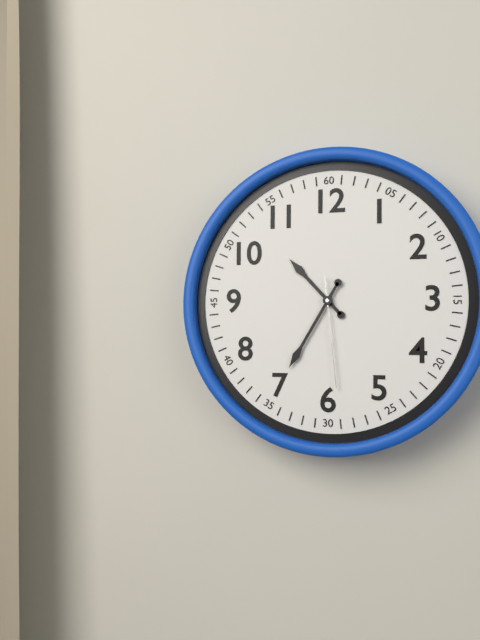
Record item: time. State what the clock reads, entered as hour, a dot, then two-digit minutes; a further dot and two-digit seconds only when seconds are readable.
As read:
10.35.29
